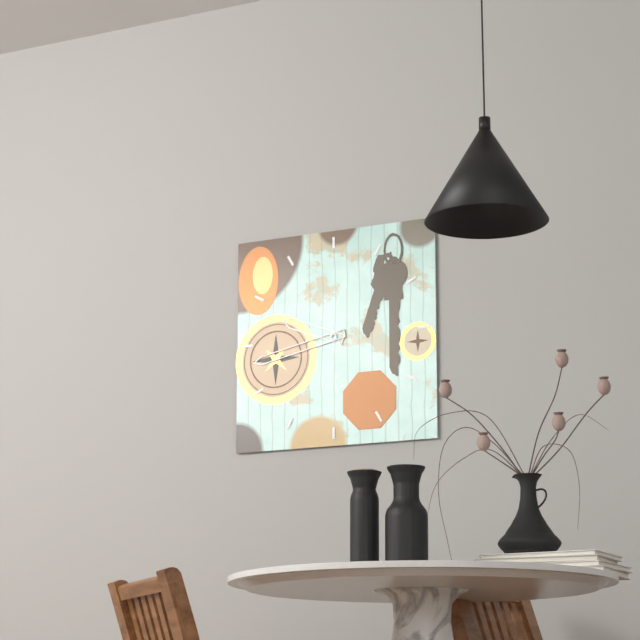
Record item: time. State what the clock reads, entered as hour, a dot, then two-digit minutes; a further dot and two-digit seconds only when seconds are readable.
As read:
9.43
